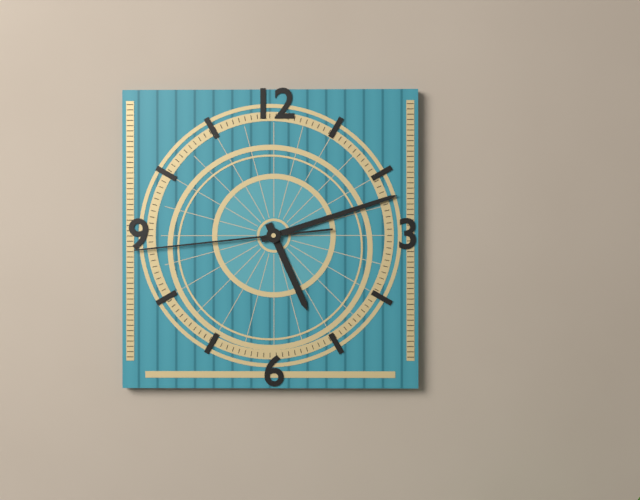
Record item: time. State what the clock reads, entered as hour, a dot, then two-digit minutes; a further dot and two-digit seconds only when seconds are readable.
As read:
5.12.44
